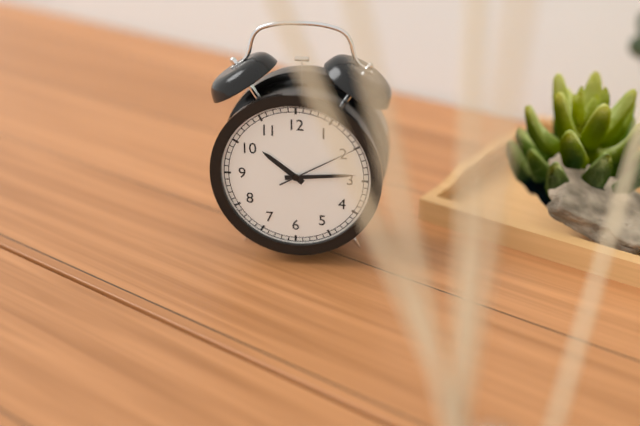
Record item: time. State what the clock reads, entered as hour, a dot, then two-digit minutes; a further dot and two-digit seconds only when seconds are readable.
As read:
10.14.10
